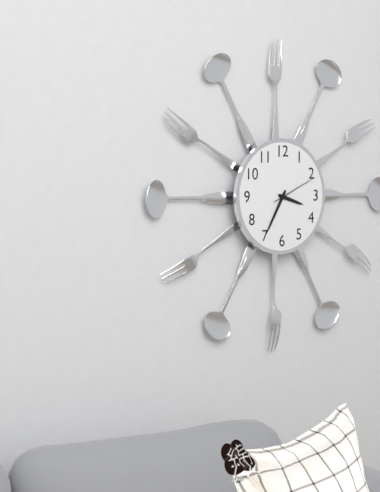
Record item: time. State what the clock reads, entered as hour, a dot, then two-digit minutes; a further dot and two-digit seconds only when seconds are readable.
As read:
3.35
